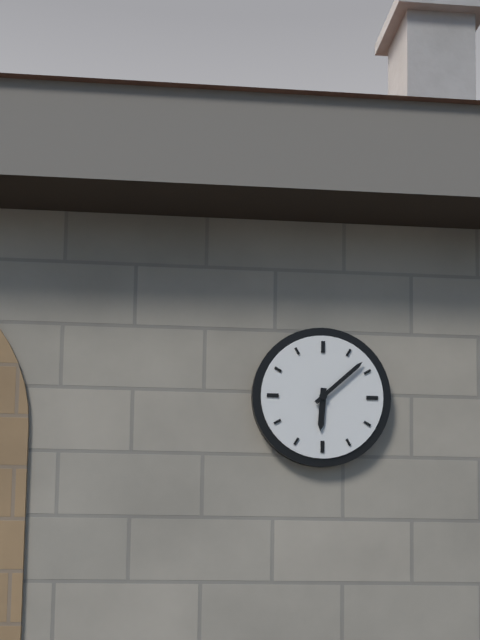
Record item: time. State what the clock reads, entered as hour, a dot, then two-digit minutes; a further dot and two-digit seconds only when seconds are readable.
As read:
6.08
